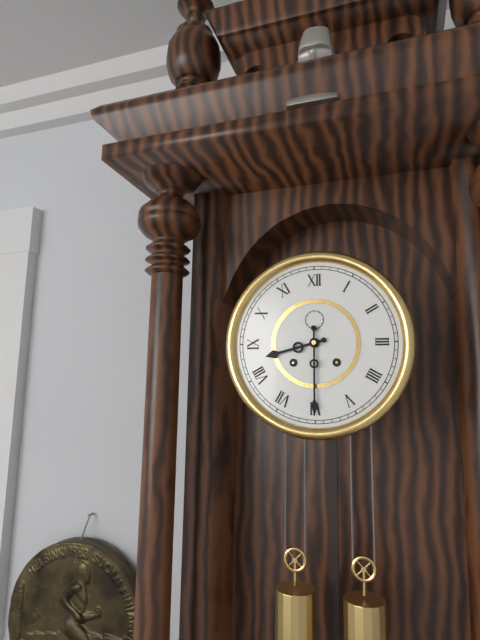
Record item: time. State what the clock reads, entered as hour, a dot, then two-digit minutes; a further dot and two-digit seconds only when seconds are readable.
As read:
8.30
